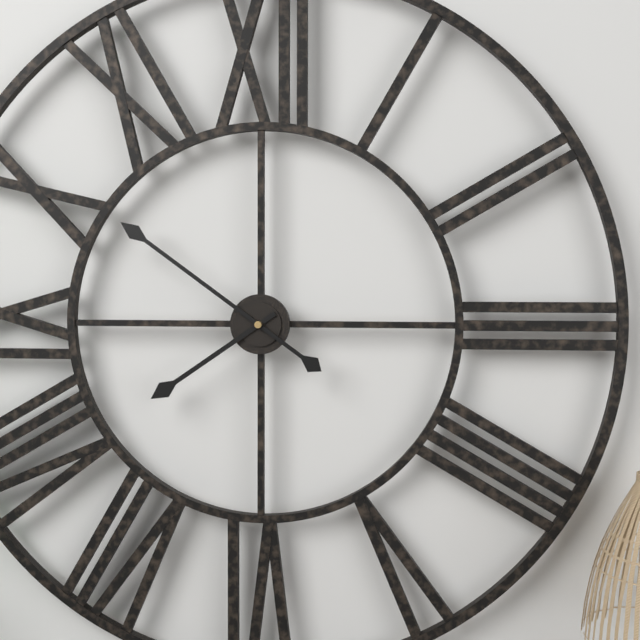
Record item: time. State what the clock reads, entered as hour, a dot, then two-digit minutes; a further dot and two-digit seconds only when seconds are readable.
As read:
7.51
